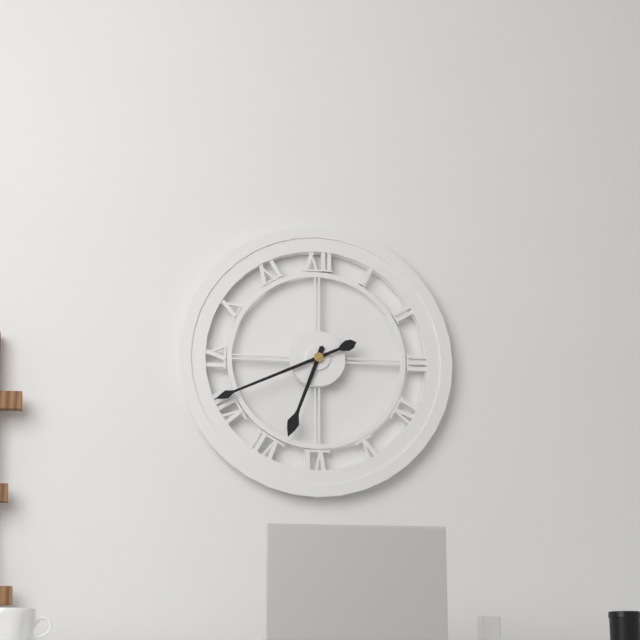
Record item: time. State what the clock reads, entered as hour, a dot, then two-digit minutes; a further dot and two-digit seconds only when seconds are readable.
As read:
6.41
